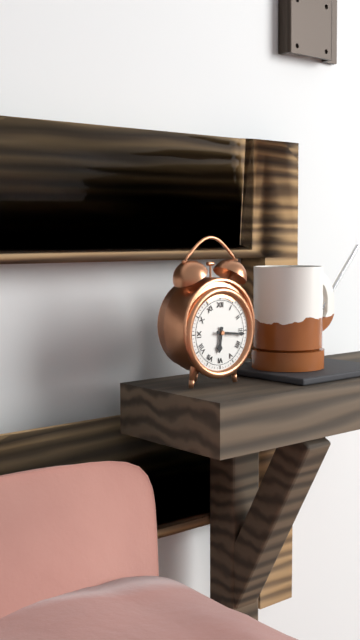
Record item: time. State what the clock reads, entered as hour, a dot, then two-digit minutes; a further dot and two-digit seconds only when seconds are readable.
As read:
6.16
